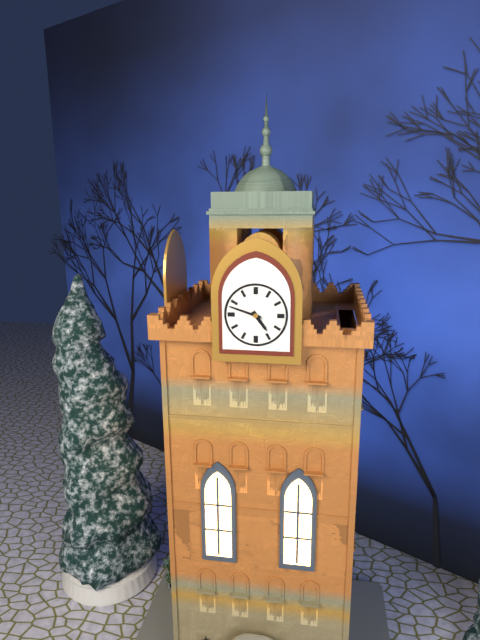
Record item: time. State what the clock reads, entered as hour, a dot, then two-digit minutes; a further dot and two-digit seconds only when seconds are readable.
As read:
4.48
